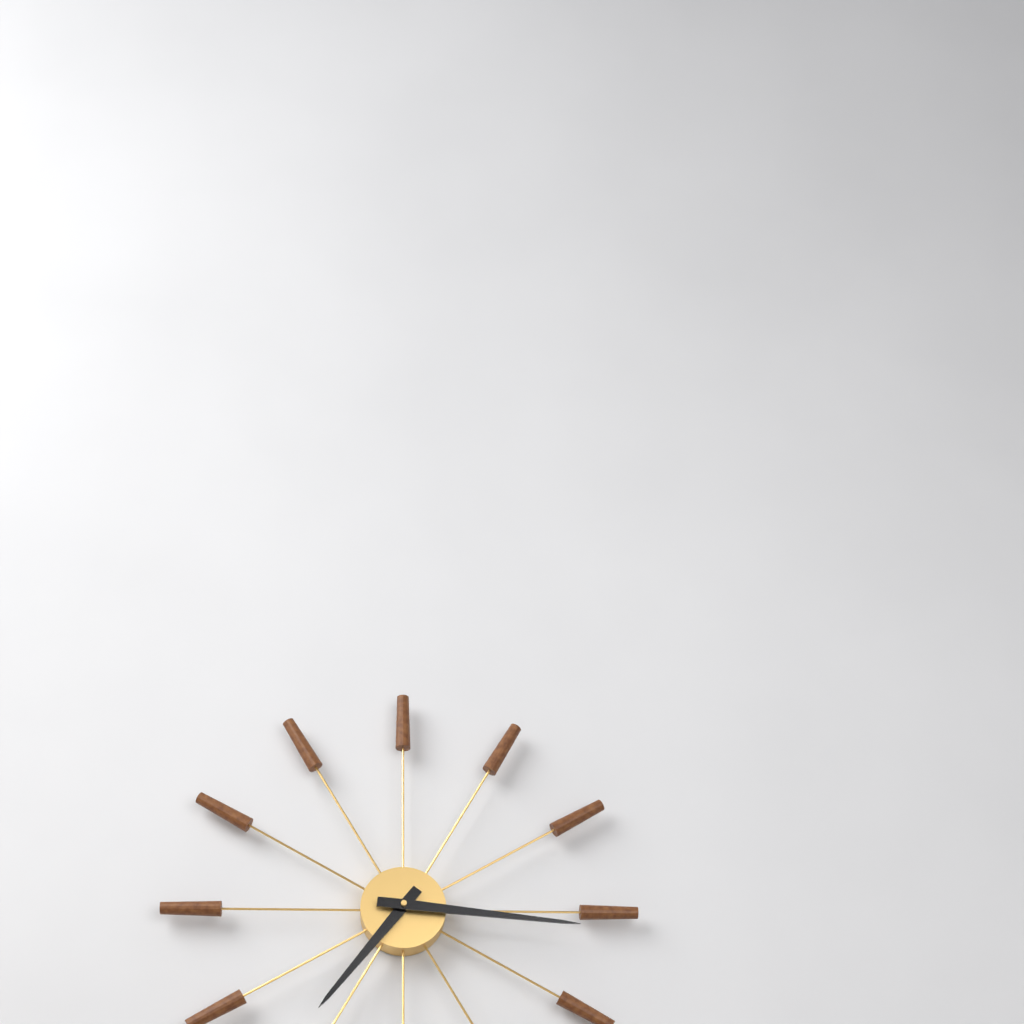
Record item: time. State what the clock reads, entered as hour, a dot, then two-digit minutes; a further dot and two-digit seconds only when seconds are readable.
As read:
7.16
